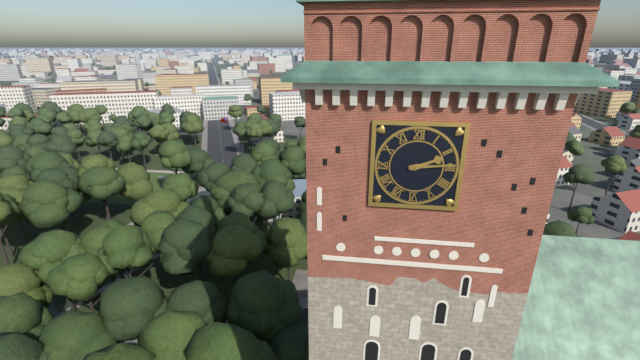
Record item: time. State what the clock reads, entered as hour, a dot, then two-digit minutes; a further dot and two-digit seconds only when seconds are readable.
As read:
2.14
